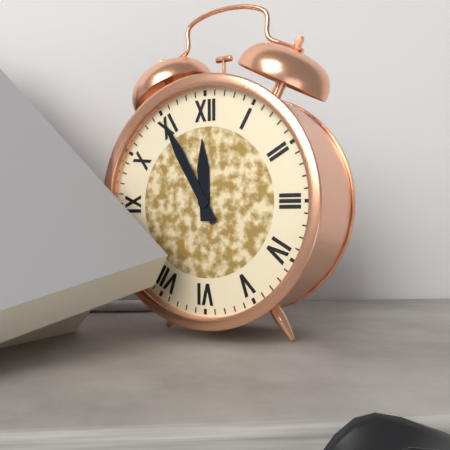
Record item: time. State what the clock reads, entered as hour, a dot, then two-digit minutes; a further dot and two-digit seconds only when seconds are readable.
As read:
11.55
